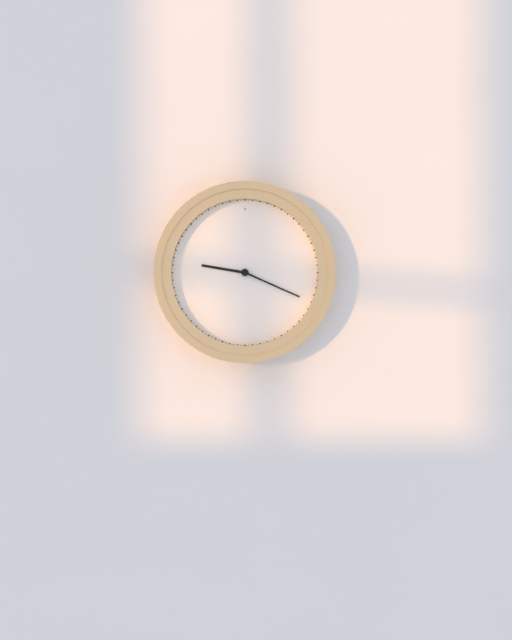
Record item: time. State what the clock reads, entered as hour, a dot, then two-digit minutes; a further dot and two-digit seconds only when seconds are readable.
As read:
9.19
